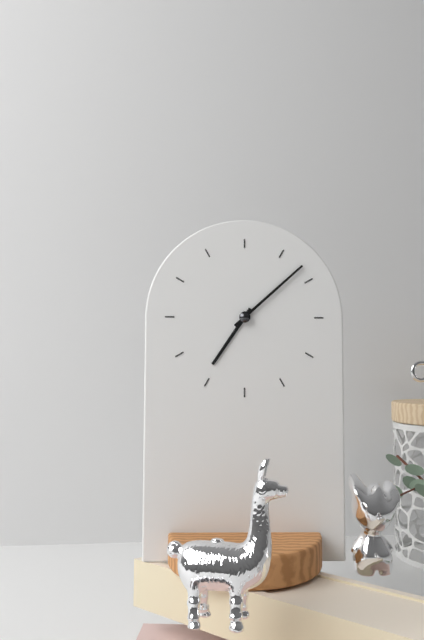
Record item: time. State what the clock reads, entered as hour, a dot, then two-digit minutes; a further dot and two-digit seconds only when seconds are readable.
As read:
7.08
